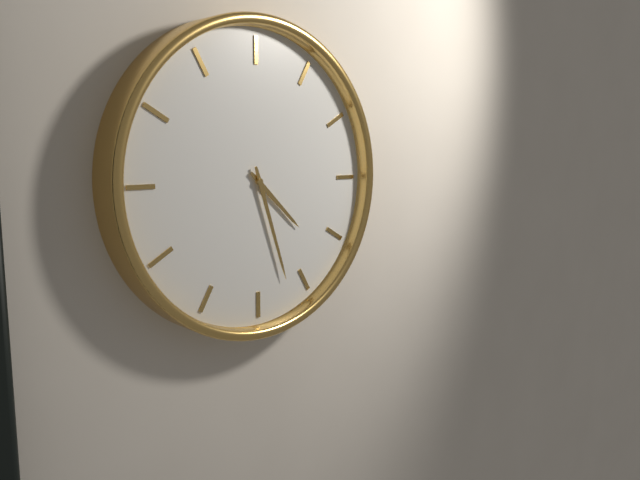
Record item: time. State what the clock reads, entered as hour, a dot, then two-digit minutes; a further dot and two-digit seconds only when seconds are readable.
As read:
4.27
